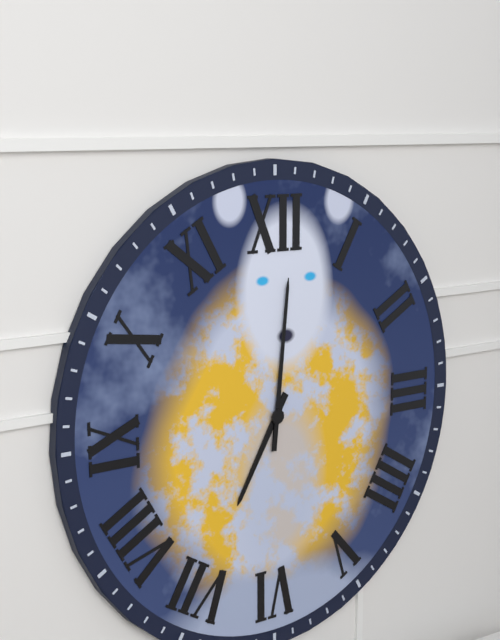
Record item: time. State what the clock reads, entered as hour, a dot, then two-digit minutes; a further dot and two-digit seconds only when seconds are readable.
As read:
7.01
